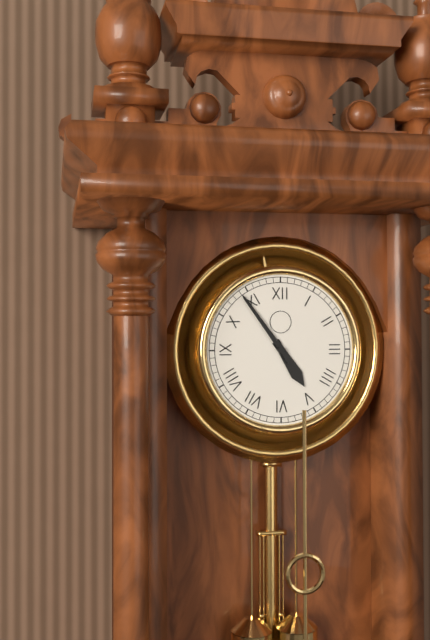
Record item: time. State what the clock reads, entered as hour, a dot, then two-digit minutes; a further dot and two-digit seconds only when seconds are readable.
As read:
4.54
